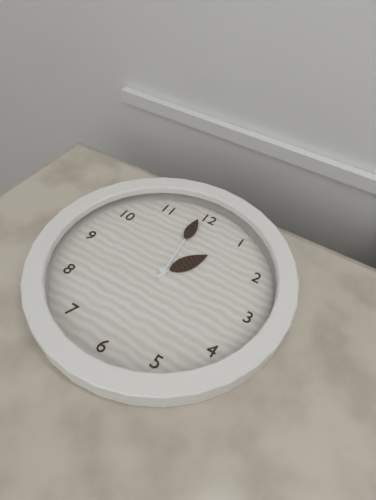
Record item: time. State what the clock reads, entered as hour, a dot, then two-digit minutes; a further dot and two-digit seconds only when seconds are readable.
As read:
12.59
